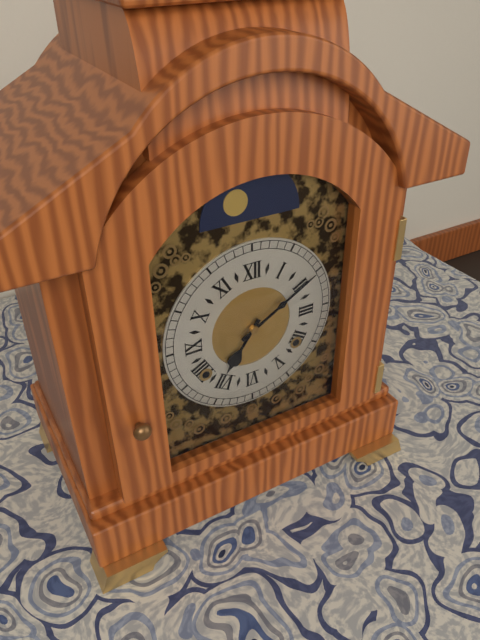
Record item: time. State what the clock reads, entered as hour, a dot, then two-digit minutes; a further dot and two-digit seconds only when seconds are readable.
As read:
7.10
